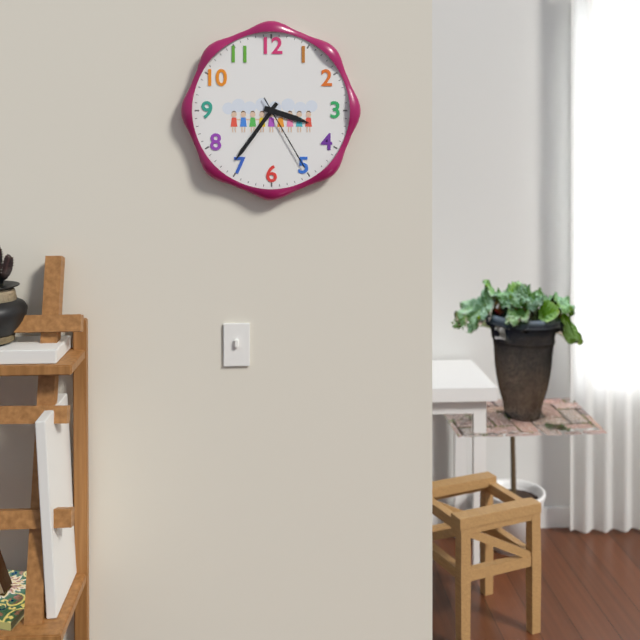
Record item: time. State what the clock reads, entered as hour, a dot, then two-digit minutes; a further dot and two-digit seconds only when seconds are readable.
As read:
3.36.25
